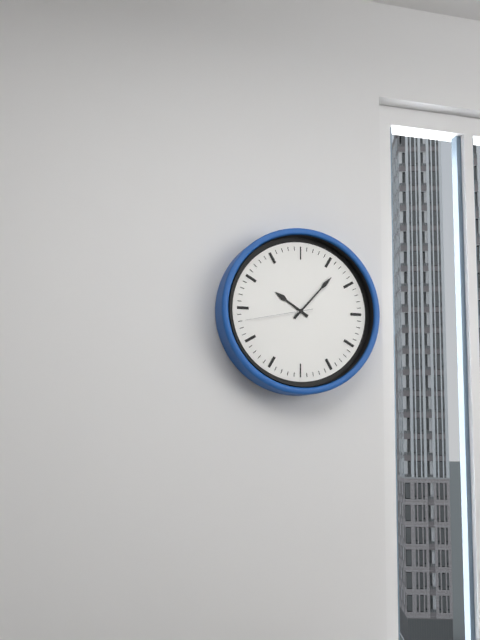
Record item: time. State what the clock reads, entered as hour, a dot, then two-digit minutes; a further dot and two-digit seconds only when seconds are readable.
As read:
10.07.43
